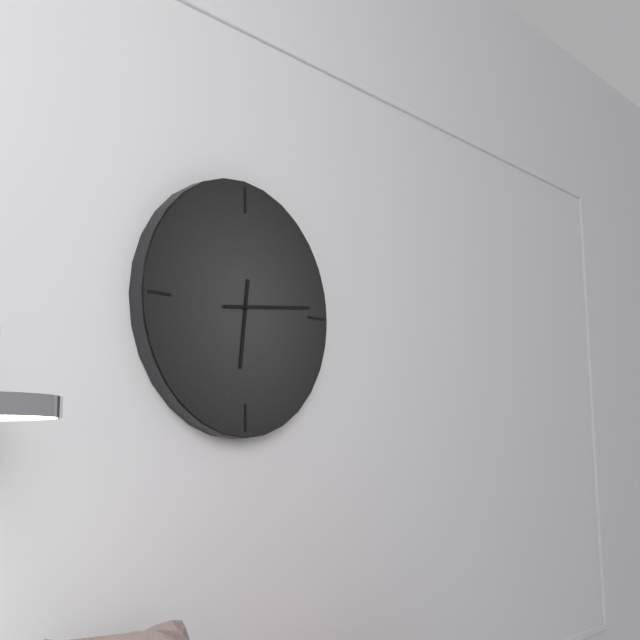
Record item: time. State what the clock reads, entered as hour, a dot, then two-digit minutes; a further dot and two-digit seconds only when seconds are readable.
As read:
6.14
